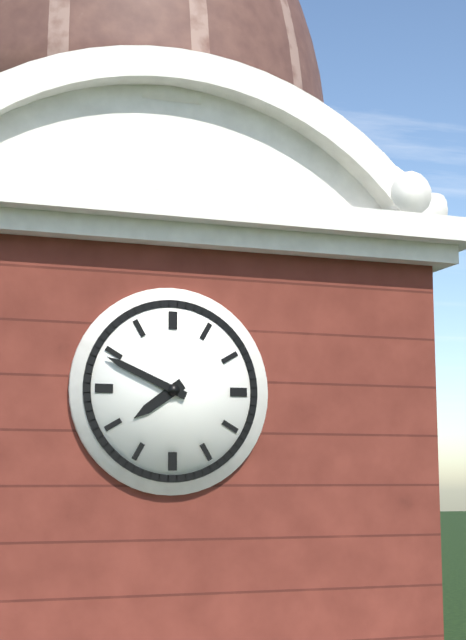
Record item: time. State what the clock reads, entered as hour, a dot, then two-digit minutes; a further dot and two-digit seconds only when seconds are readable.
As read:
7.49
